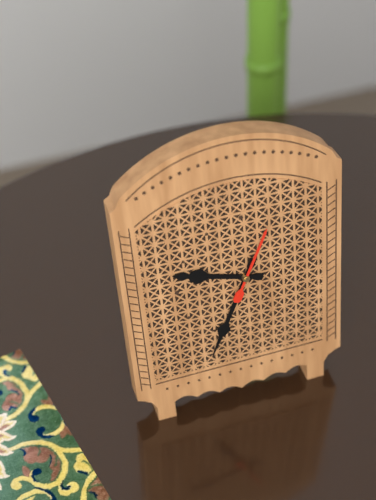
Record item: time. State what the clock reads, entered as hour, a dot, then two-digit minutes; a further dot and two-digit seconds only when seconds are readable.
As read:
9.34.04
